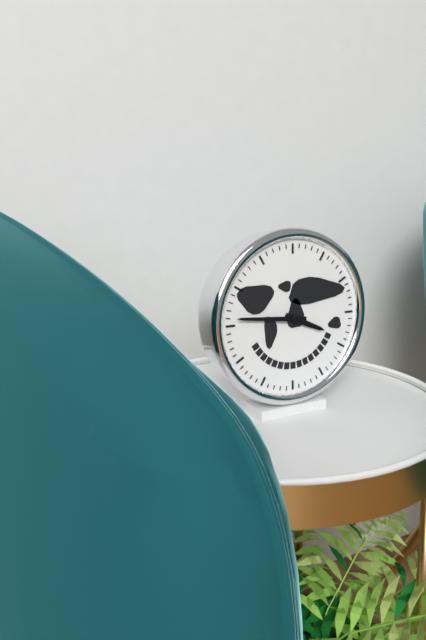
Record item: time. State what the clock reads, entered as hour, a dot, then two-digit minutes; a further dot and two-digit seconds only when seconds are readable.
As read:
3.46
